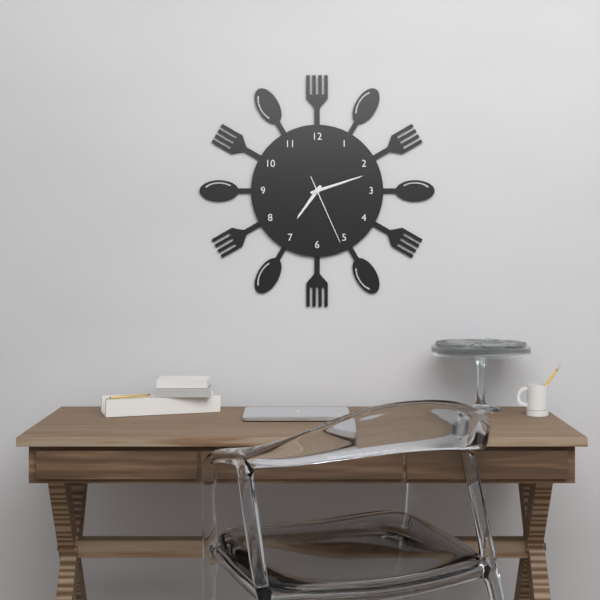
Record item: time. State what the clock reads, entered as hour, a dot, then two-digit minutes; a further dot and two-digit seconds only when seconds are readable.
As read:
7.12.26
